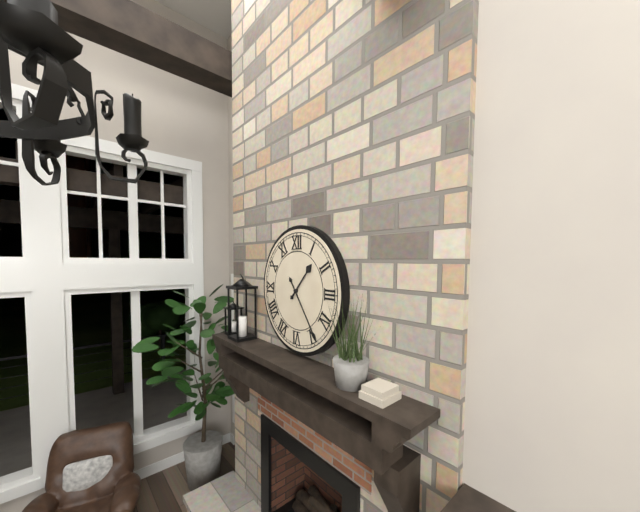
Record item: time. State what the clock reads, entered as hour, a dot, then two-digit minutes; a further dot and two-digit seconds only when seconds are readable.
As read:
1.24
